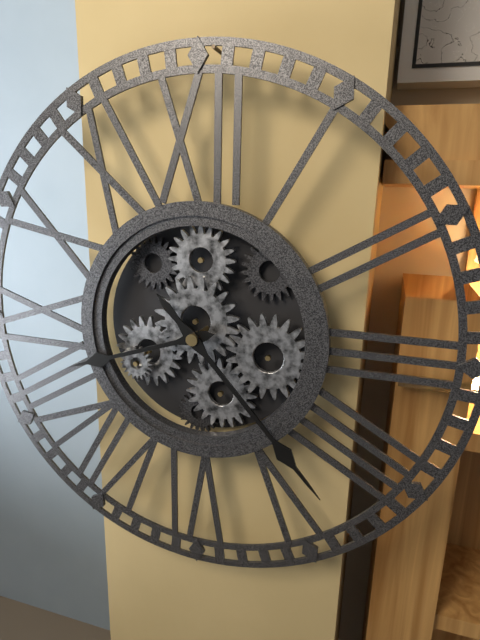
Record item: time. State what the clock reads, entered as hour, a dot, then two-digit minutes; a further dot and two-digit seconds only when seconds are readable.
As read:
8.23
